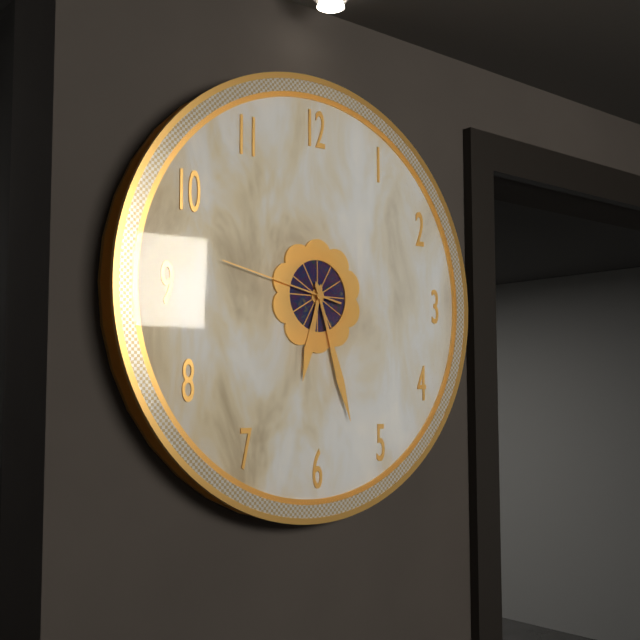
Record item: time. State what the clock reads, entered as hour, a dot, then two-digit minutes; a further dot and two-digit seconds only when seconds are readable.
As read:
6.27.47
